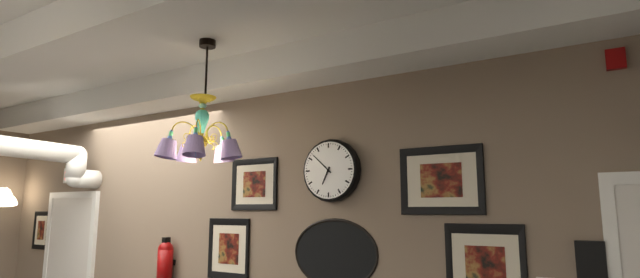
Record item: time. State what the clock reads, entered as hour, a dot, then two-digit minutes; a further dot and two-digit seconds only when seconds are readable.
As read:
6.52
